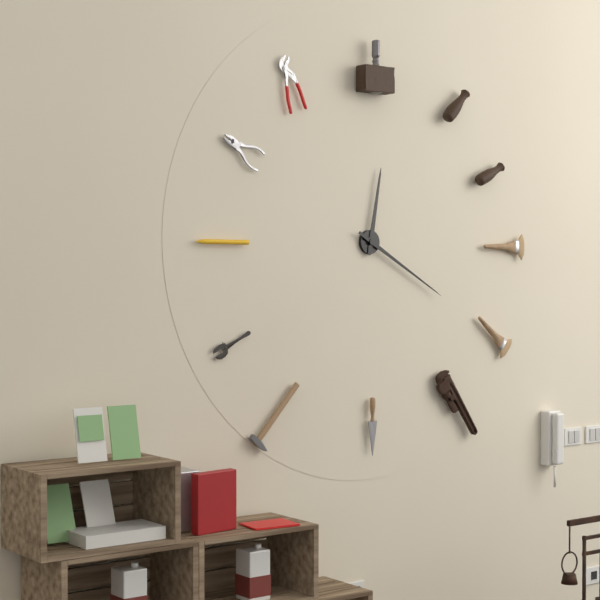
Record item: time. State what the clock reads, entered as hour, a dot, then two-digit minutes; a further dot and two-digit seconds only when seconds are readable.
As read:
12.20
